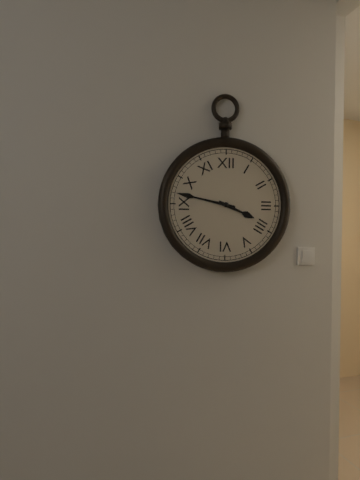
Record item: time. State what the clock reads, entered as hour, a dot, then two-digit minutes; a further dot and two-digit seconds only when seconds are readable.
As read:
3.47
